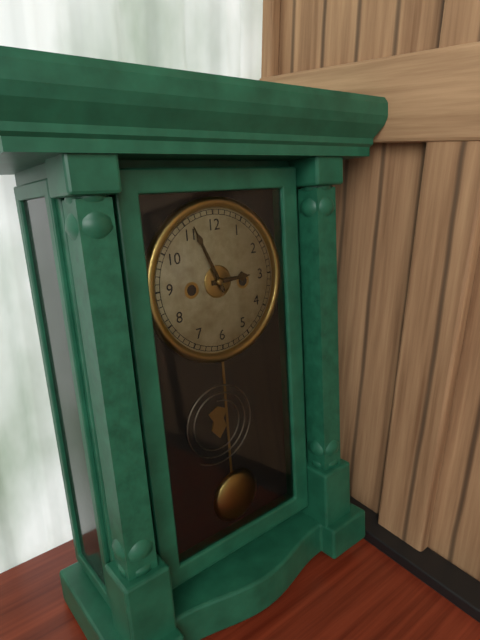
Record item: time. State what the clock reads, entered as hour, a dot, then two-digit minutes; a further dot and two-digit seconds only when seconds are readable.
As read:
2.56
